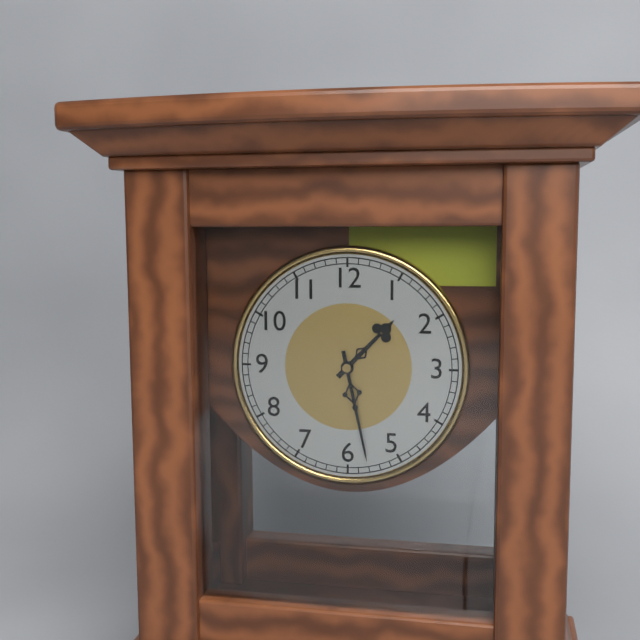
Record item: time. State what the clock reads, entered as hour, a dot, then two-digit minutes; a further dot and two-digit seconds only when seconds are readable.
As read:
1.28
